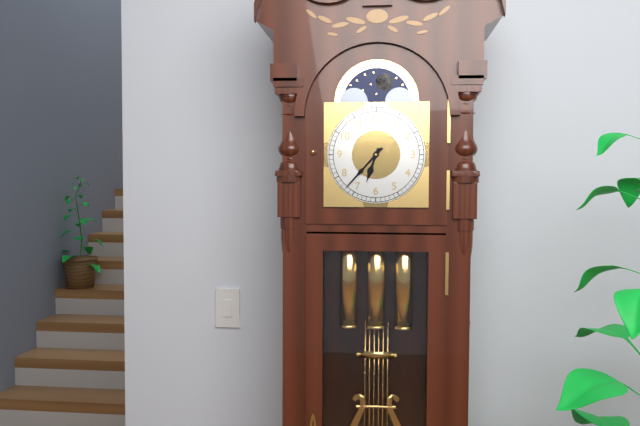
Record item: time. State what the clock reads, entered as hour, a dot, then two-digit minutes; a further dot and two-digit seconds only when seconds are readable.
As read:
6.37
